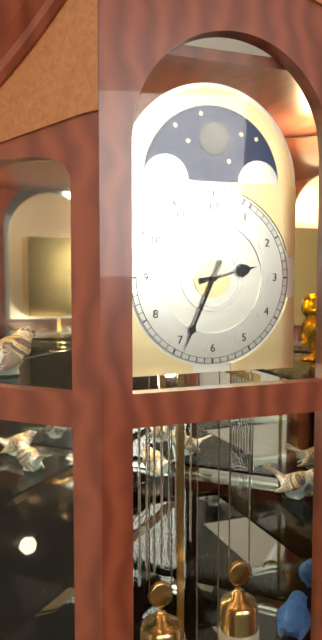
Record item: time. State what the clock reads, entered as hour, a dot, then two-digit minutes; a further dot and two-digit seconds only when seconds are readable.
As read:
2.34
